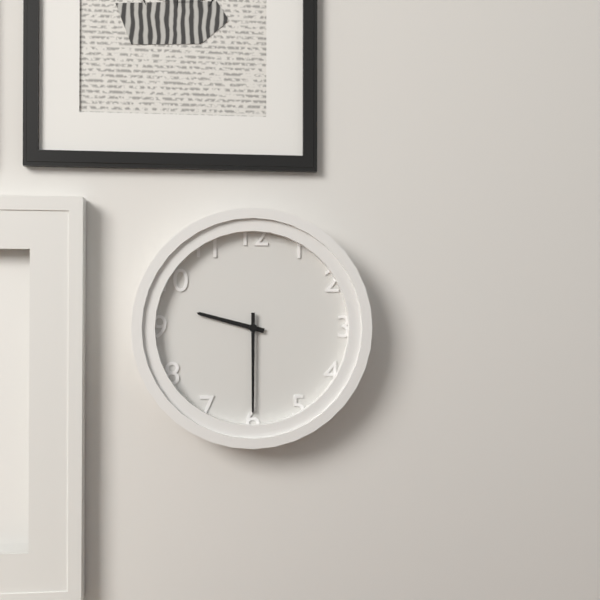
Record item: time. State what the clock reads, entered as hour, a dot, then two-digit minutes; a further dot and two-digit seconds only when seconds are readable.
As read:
9.30
